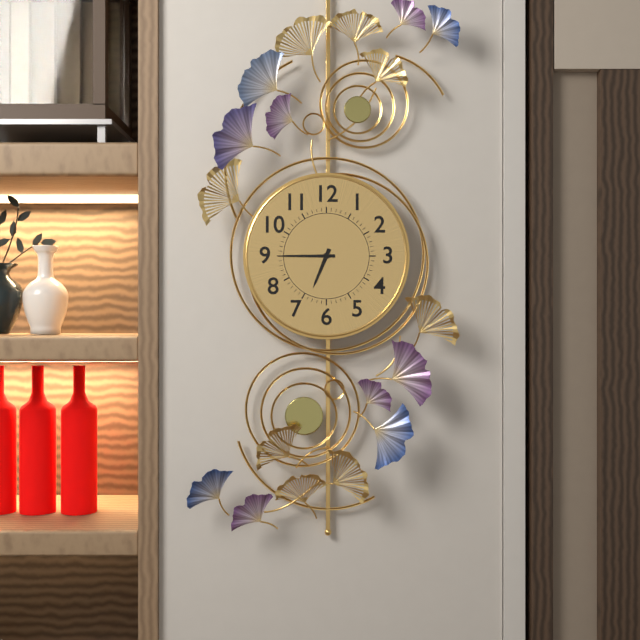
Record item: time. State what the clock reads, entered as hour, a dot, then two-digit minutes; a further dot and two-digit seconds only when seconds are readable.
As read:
6.45
